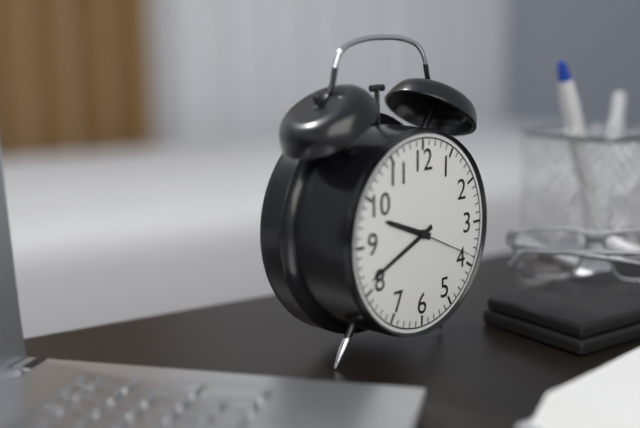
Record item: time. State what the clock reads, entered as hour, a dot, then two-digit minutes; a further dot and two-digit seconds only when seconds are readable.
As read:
9.41.19
